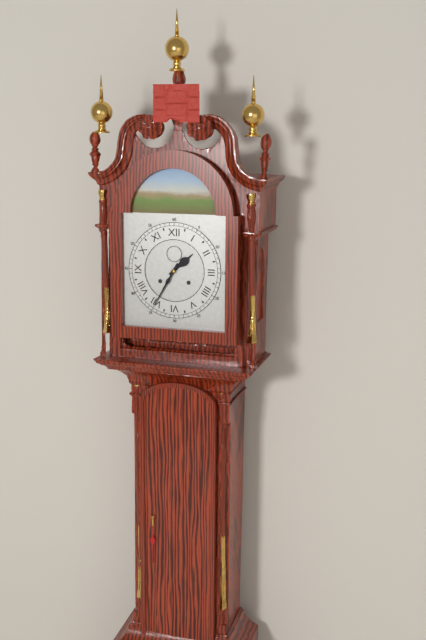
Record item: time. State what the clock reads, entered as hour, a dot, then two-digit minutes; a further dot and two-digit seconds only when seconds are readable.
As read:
1.35
